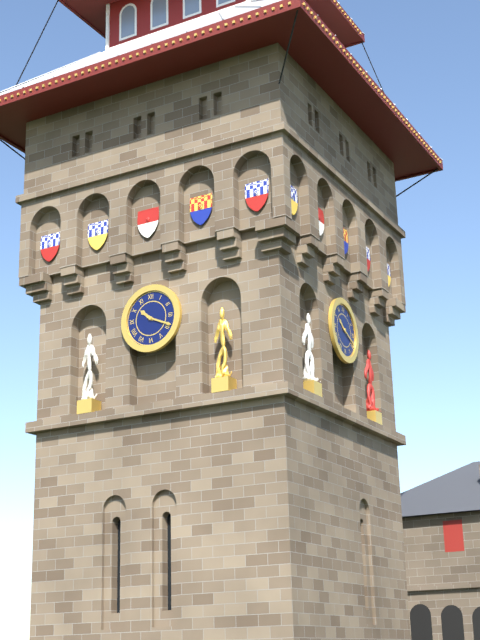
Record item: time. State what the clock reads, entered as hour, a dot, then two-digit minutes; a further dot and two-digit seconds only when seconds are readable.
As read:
10.19
